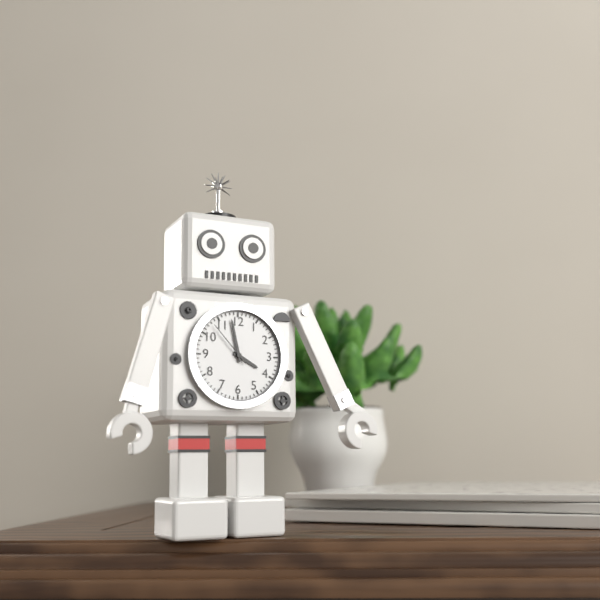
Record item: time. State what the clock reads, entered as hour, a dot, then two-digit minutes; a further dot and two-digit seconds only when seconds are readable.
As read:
3.58
